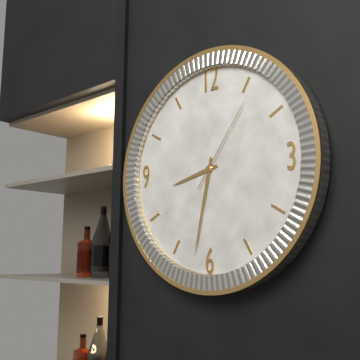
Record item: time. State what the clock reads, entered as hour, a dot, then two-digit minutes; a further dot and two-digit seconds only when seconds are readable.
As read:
8.32.06
